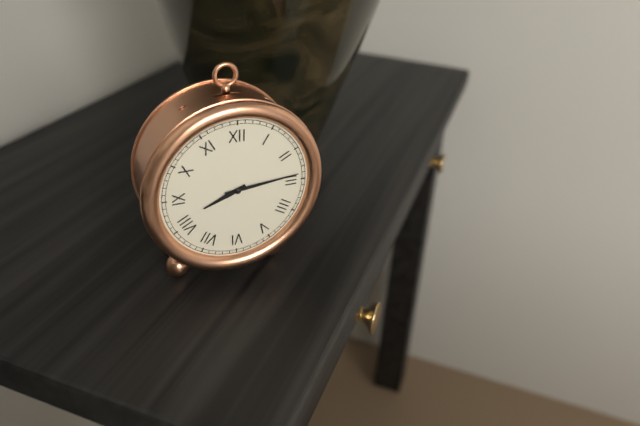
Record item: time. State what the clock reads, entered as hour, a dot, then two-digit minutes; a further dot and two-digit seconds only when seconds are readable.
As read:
8.14
